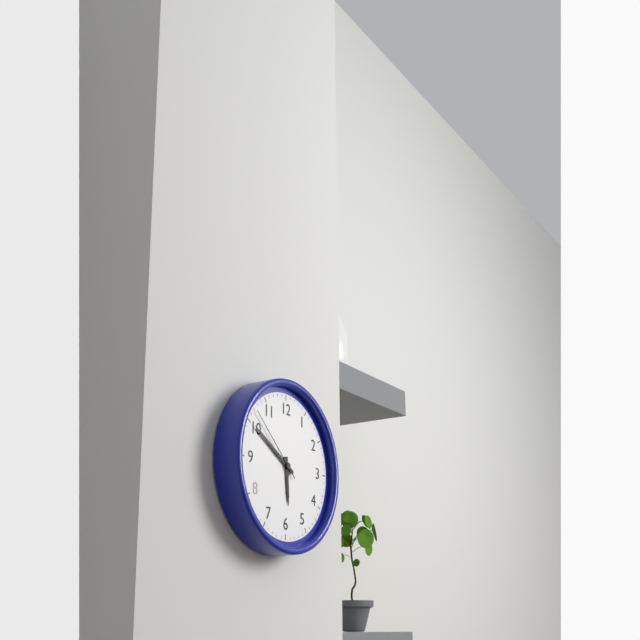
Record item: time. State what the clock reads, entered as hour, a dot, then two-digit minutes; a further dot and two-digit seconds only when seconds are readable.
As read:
5.50.52
